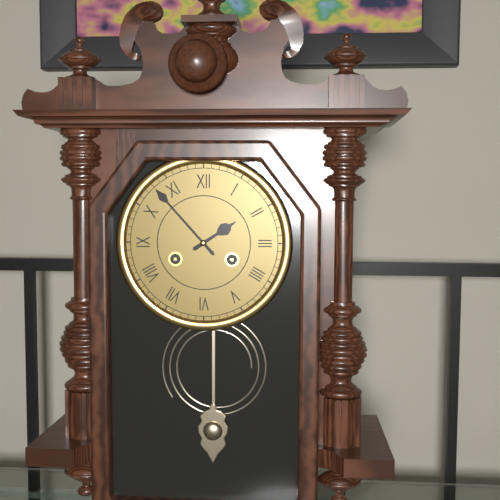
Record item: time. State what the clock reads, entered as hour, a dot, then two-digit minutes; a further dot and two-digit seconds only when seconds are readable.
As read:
1.53
